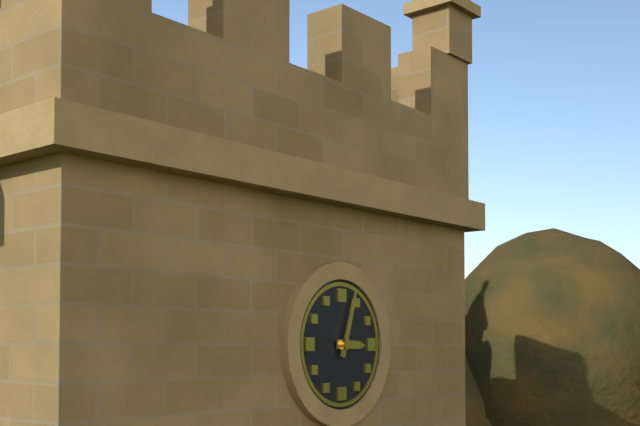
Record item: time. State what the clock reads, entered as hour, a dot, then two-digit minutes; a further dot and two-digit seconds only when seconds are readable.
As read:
3.03
